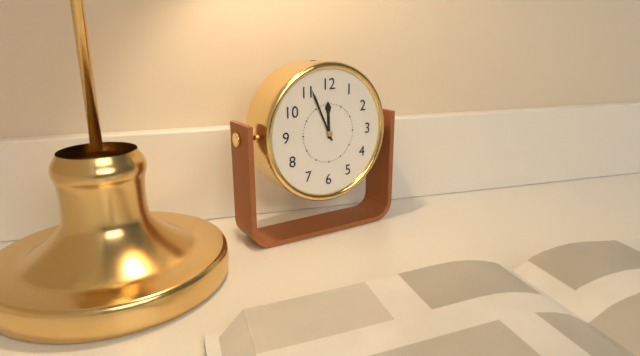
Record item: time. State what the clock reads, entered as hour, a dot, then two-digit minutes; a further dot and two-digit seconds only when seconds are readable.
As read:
11.56
